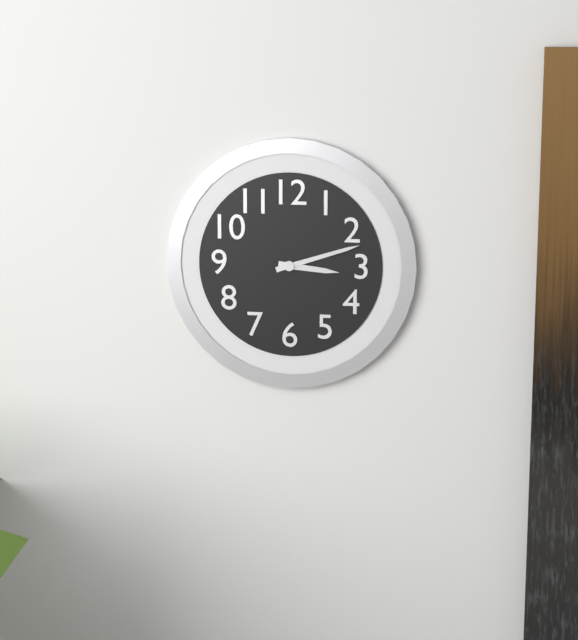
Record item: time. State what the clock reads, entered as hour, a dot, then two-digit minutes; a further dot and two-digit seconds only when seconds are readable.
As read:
3.12
